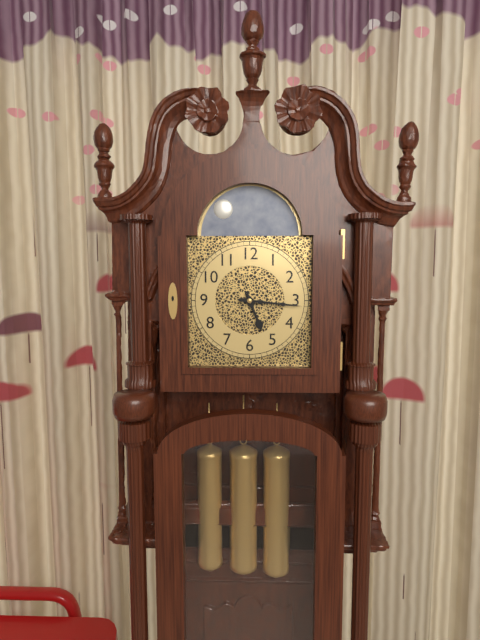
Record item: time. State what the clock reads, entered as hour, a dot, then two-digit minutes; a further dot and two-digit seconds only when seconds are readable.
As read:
5.16
